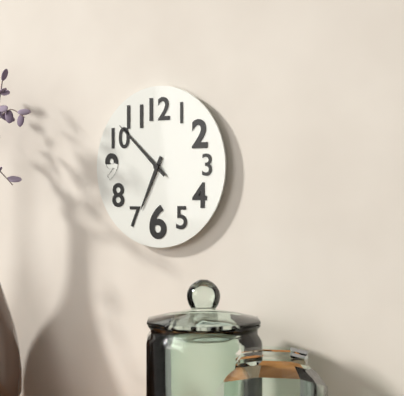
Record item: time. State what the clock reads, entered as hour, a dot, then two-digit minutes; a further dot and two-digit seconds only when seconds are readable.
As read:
6.52
